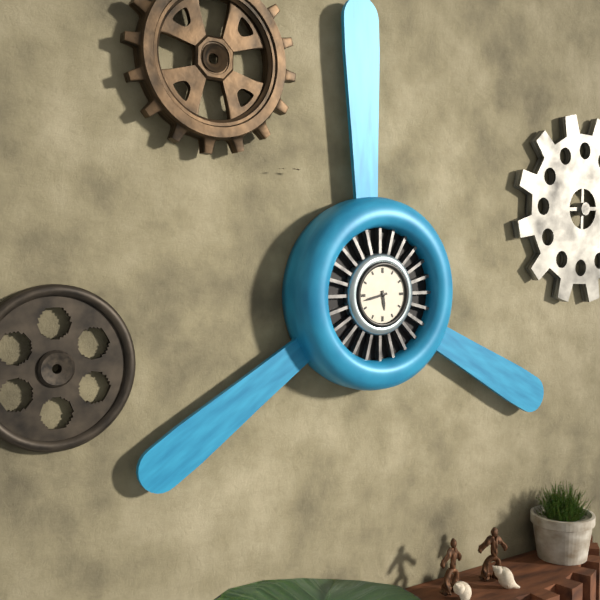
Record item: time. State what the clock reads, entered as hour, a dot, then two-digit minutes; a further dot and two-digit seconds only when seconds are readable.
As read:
5.43
